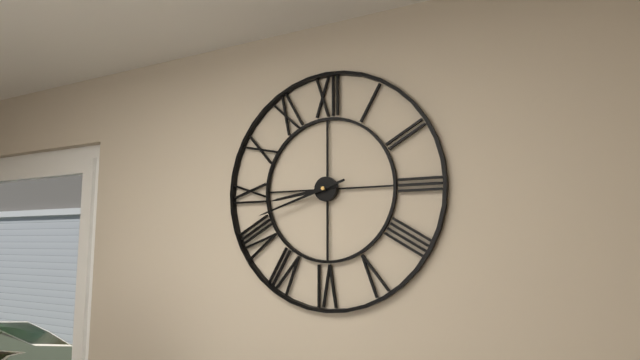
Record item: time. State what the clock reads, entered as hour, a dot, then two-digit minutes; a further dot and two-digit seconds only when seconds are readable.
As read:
8.42
